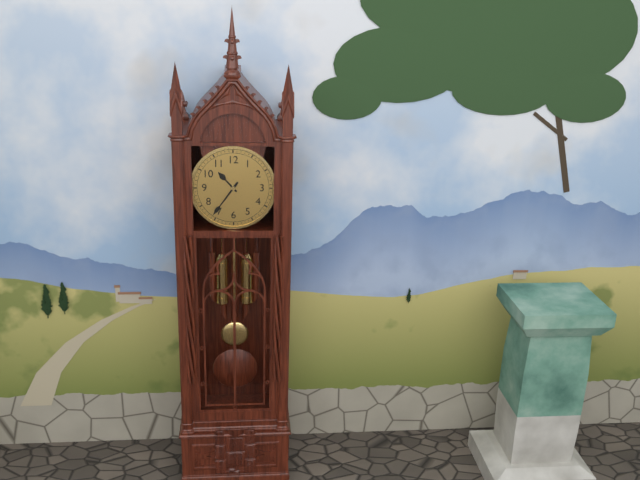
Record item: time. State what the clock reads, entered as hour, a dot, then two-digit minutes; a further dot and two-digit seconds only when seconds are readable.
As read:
10.36
